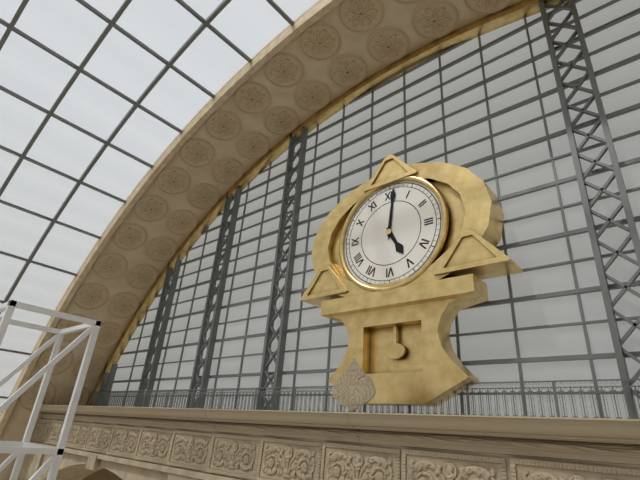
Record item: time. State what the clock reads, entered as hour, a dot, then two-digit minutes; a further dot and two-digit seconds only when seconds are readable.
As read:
5.01
